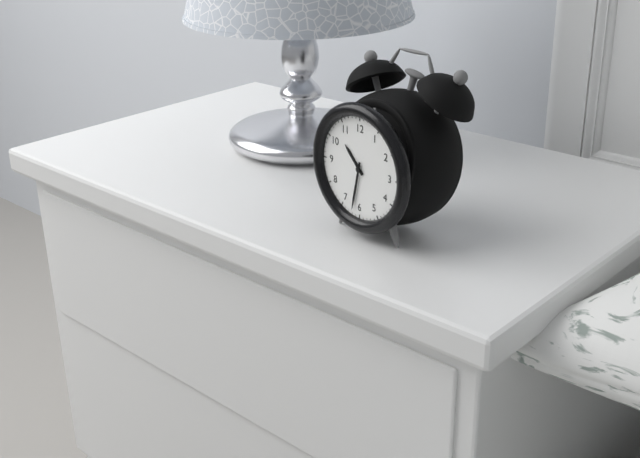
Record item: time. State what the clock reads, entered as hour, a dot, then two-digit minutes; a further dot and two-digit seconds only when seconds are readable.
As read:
10.32
